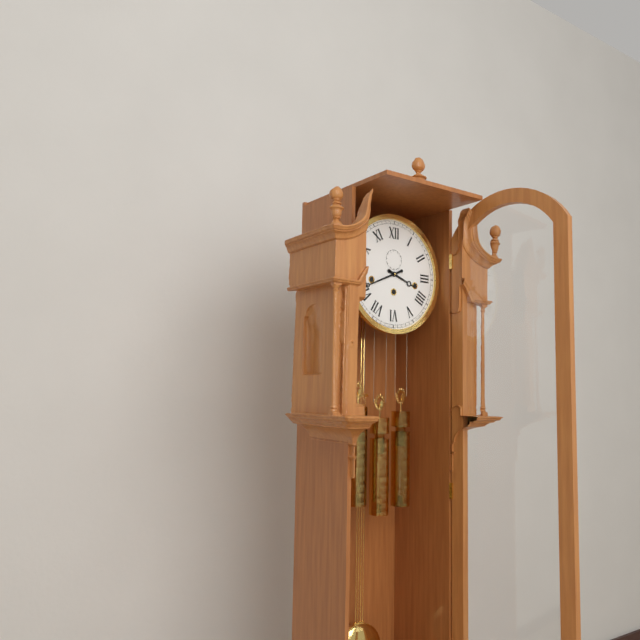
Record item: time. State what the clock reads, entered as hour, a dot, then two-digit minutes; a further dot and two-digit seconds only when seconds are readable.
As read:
3.41
